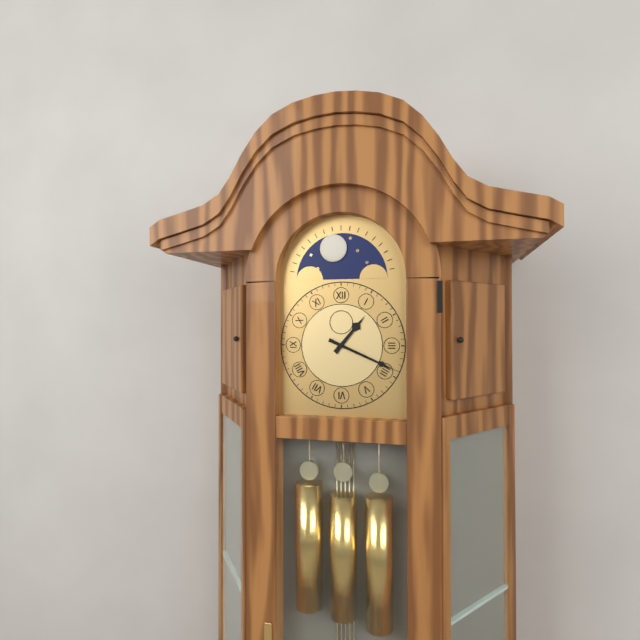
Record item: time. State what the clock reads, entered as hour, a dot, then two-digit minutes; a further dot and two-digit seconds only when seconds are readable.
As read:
1.19
